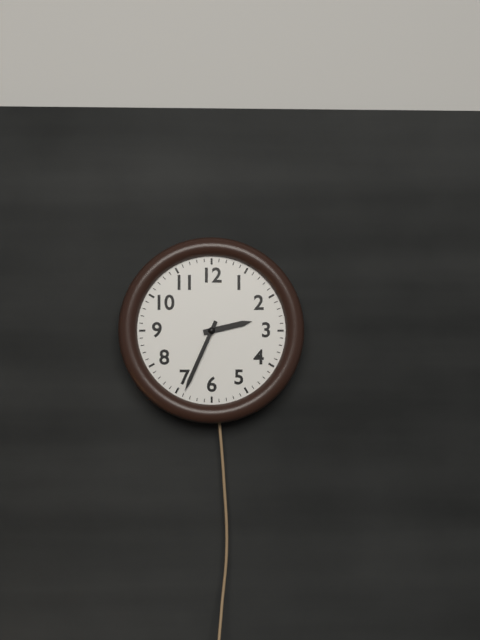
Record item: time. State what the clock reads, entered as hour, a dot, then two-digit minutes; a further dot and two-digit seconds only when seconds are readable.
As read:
2.34
